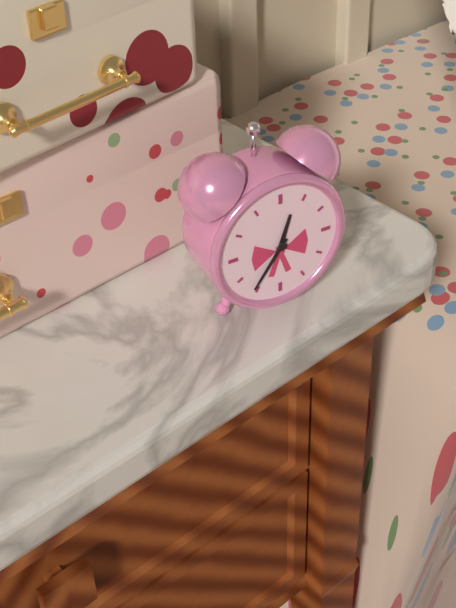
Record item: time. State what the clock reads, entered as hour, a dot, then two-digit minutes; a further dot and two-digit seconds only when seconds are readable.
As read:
12.36
